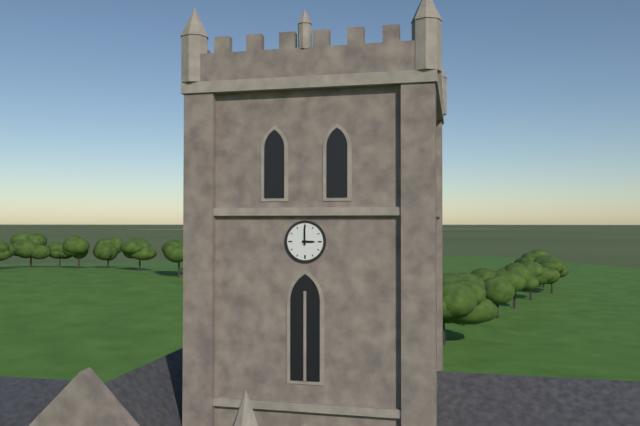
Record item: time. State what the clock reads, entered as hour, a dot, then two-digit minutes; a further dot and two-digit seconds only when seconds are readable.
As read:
3.00
